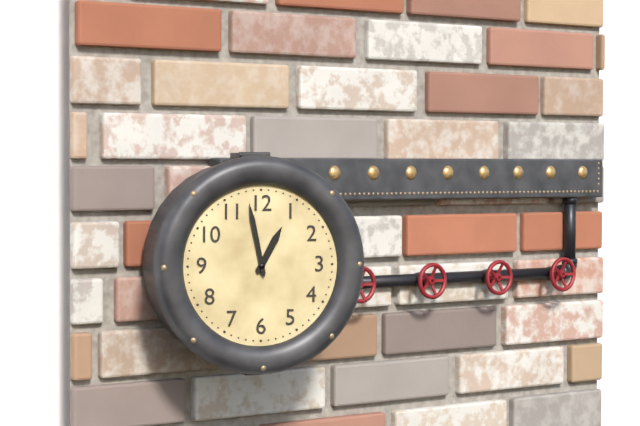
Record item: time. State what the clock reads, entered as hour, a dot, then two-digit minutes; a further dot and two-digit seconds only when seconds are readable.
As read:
12.58
